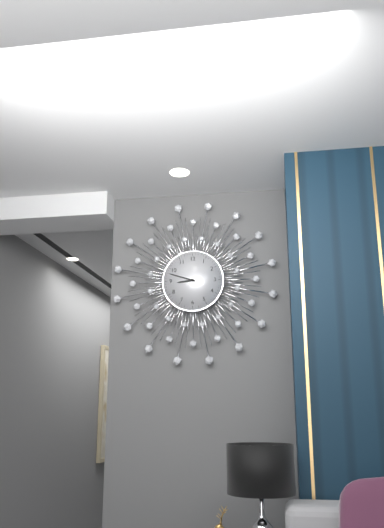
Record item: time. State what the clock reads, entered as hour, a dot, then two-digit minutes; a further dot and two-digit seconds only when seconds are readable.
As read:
8.48
